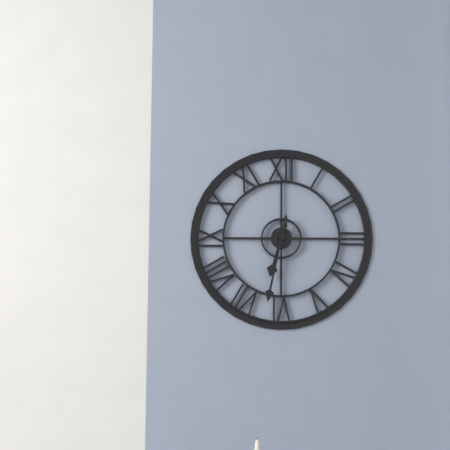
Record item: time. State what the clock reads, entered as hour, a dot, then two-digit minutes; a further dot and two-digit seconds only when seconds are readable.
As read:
6.32
